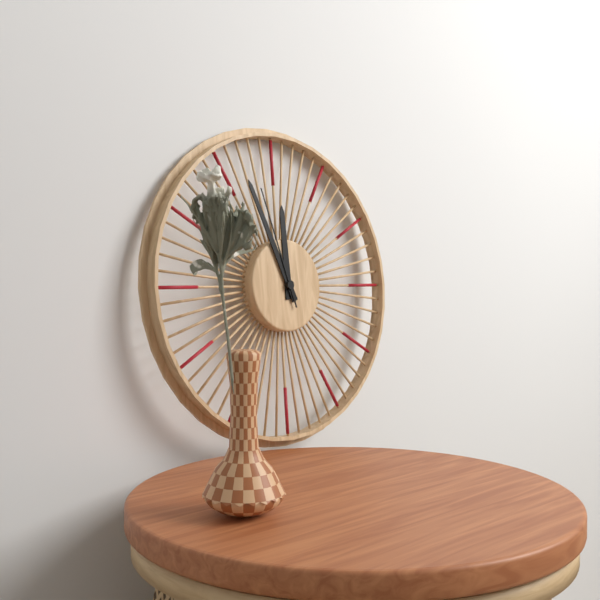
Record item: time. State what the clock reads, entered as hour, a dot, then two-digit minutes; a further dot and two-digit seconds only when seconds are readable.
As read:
11.56.57
